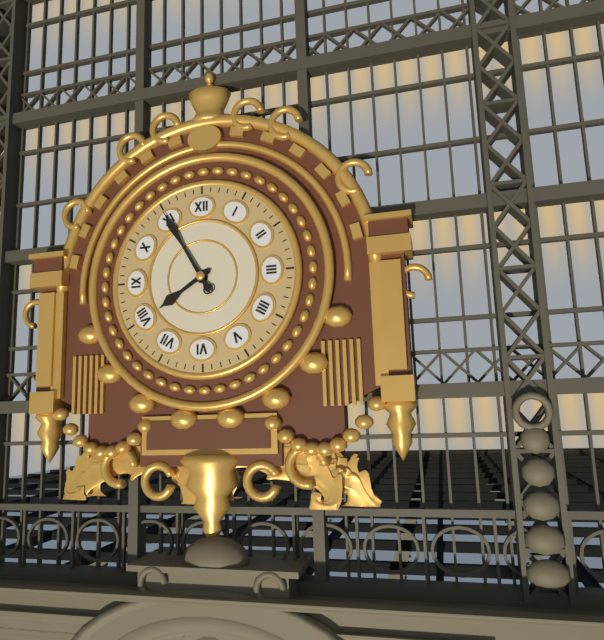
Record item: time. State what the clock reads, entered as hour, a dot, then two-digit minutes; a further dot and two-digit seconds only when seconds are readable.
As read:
7.55
